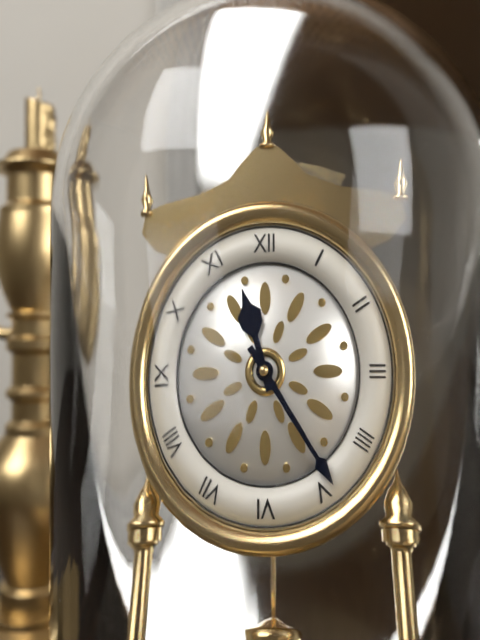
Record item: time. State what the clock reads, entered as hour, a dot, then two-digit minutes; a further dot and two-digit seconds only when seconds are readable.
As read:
11.24
